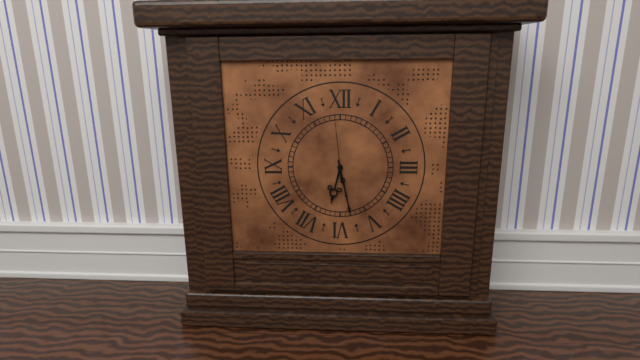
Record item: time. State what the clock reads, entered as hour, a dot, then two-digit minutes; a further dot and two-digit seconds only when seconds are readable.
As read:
6.28.59
